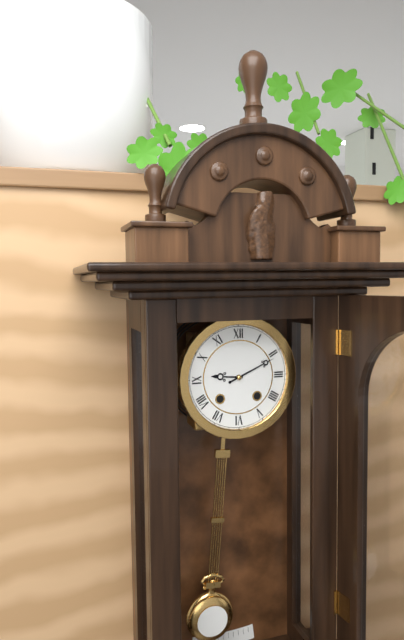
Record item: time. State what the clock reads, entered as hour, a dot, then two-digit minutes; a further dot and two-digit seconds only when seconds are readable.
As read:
9.11
